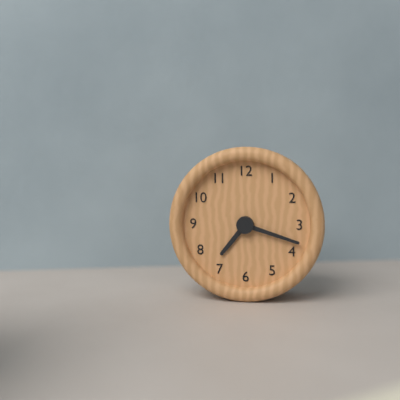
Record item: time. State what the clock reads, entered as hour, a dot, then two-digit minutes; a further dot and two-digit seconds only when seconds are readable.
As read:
7.18
